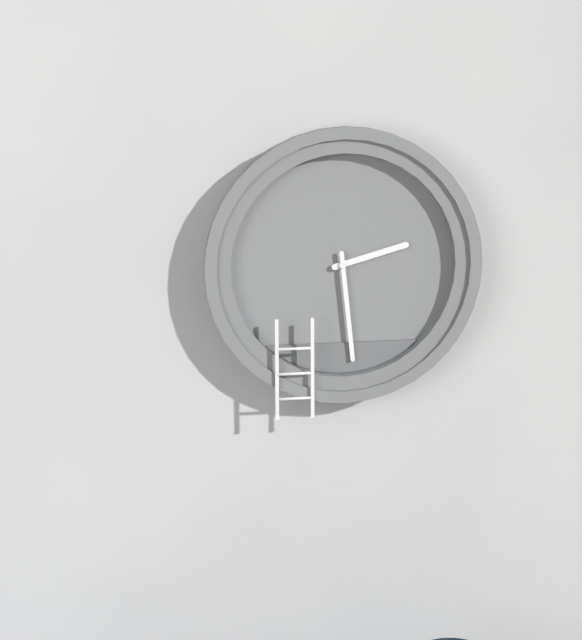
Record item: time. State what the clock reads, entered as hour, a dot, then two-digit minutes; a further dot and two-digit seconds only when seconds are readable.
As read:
2.29
